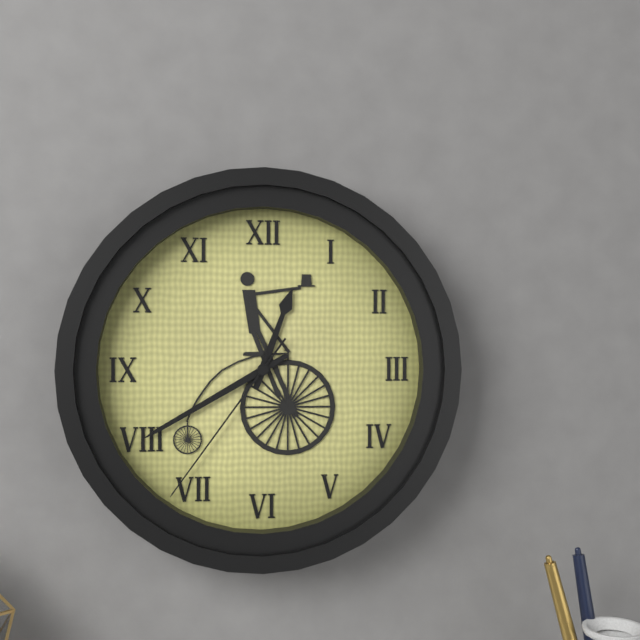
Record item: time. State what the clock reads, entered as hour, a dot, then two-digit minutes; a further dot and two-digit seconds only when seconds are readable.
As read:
12.40.36
